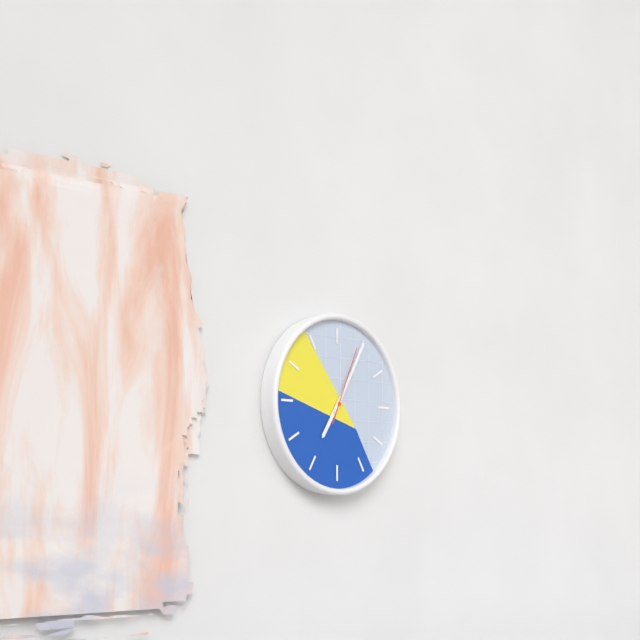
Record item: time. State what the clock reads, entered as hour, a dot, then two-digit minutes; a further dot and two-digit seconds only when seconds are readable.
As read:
7.05.04
